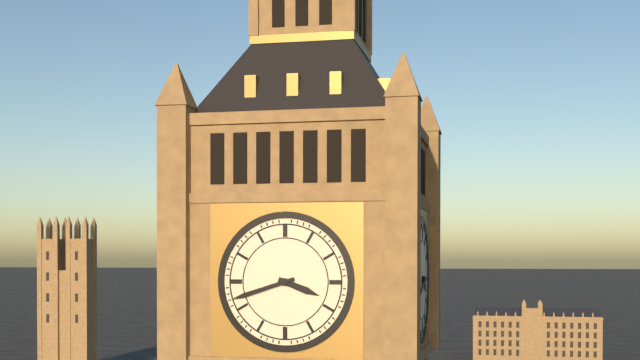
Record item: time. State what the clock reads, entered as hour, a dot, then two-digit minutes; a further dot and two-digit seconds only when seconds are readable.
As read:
3.42
